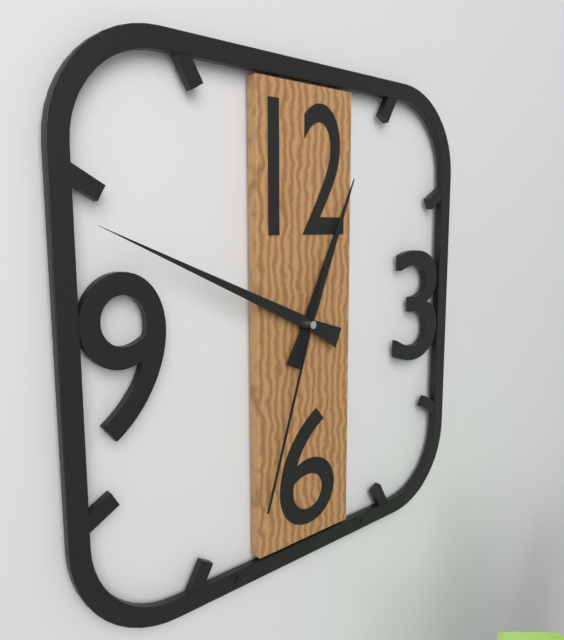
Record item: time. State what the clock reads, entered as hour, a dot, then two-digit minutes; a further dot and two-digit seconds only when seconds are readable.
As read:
12.49.33
